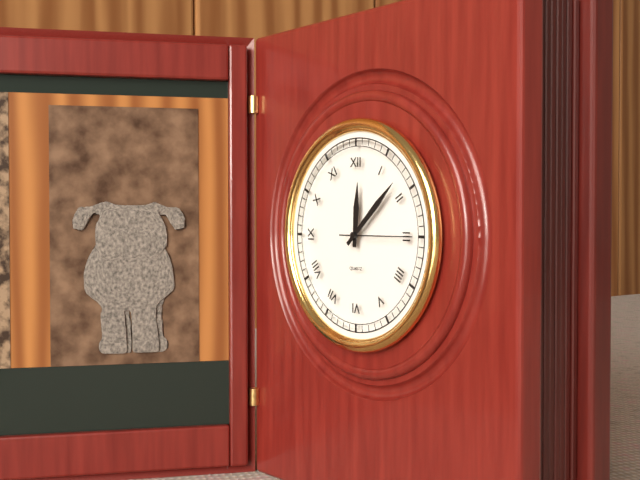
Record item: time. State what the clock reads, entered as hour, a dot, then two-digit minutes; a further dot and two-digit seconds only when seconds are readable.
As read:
12.08.15
